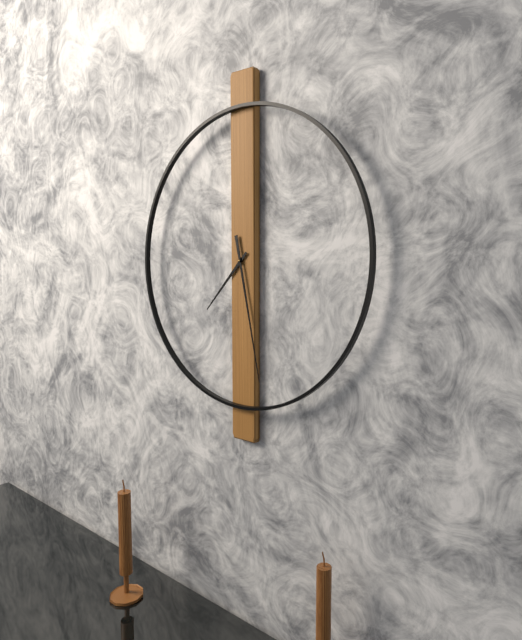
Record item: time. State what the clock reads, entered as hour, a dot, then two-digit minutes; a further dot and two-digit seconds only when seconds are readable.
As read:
7.28
